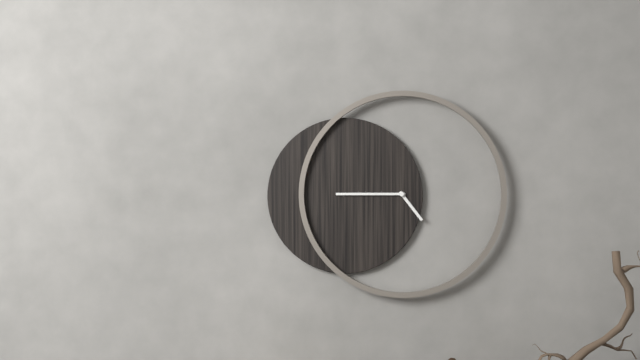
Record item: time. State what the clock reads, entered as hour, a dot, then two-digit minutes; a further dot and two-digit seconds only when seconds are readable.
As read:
4.45
